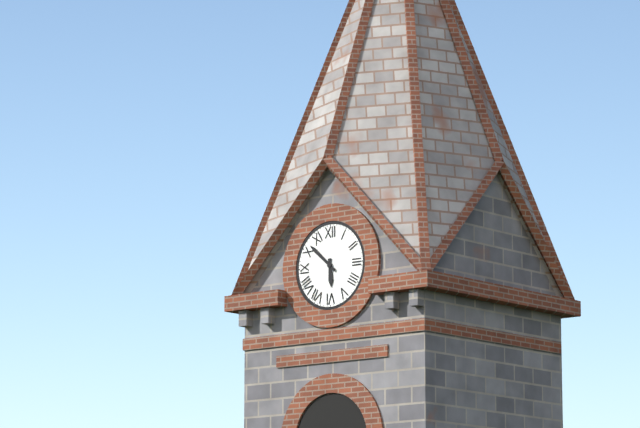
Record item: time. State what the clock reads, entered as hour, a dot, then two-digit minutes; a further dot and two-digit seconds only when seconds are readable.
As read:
5.52
